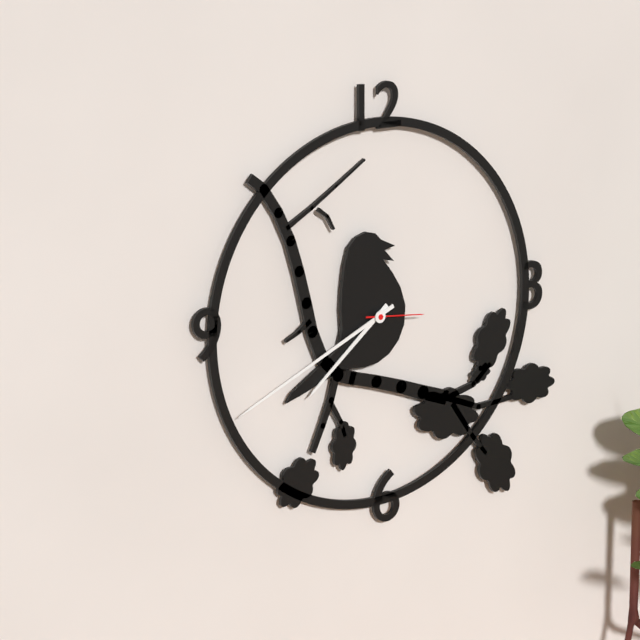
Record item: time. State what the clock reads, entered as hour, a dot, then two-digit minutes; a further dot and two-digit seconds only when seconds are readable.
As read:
7.41.16
